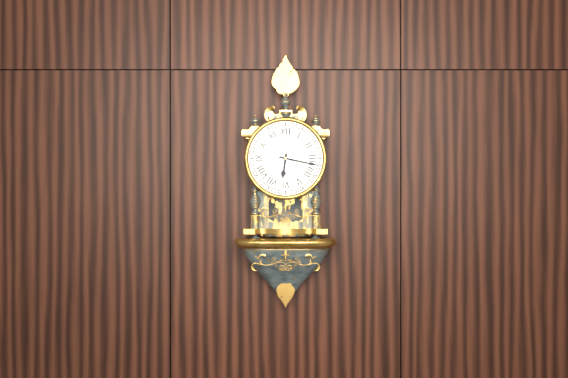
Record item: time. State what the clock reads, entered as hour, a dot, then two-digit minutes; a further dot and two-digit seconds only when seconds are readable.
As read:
6.17
